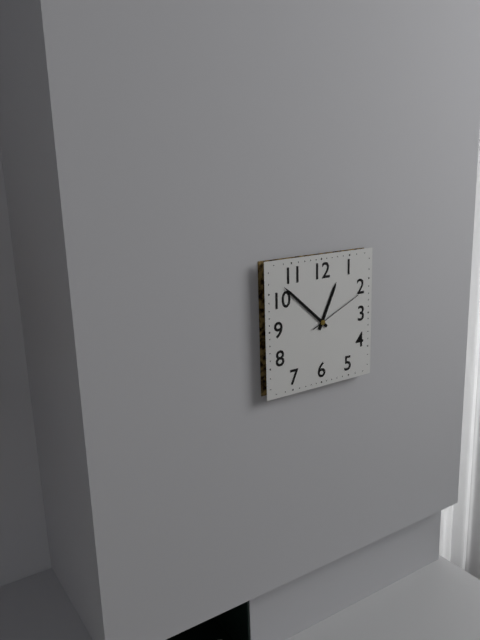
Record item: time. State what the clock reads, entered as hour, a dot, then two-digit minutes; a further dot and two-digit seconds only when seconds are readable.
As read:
12.52.11
